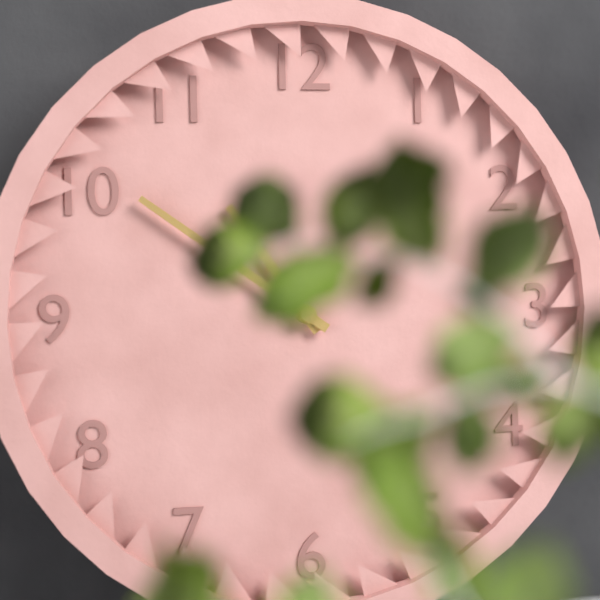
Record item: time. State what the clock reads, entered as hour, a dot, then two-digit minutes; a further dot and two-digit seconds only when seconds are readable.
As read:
10.51
